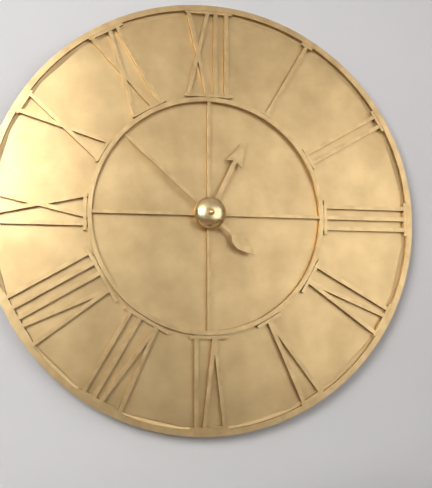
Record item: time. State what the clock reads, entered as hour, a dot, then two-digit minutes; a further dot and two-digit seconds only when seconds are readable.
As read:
12.52
